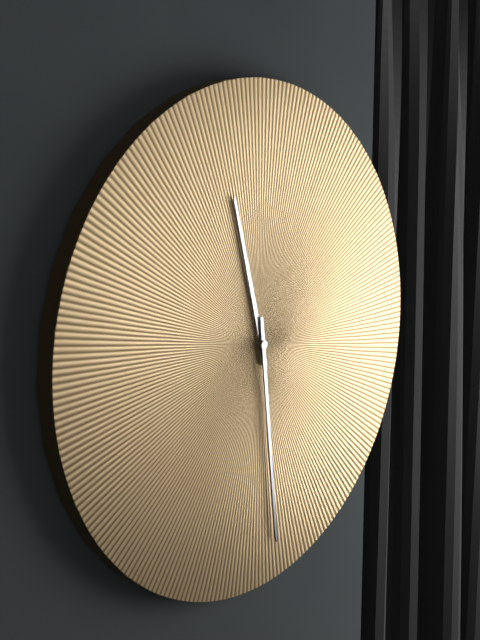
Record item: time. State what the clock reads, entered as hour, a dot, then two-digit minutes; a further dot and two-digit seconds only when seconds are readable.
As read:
11.29
